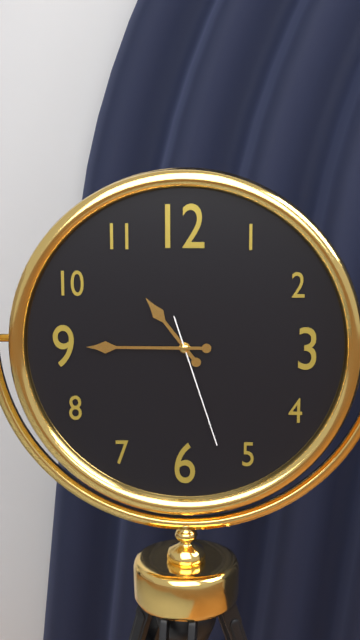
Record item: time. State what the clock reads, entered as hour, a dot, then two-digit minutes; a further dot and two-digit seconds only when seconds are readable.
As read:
10.45.27
